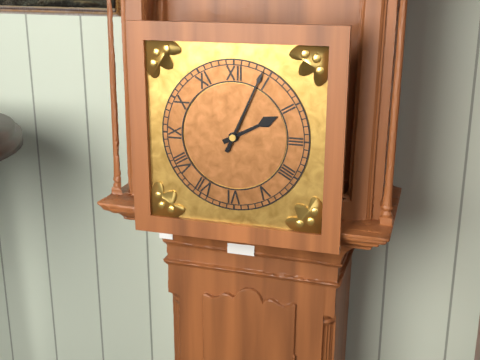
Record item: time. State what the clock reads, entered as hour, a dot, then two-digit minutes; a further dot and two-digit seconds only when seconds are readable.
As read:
2.04
